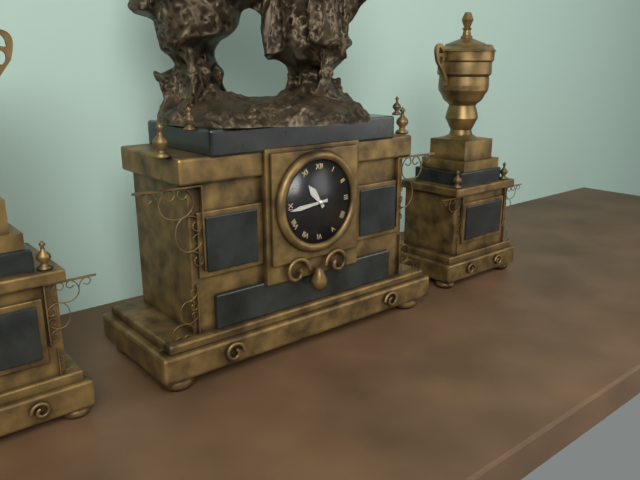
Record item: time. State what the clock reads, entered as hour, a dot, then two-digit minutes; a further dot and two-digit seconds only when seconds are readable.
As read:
10.44
